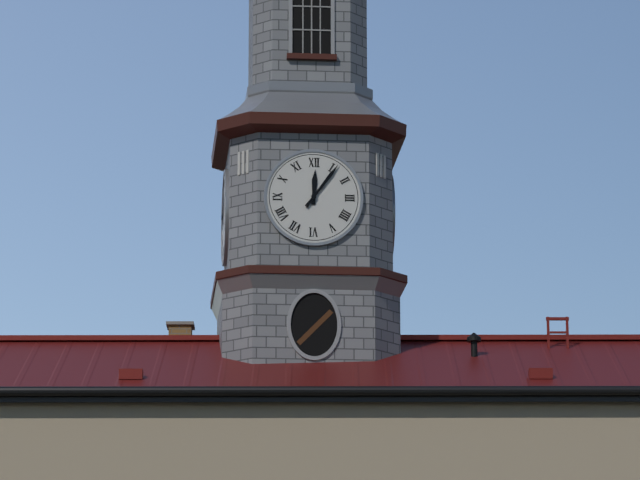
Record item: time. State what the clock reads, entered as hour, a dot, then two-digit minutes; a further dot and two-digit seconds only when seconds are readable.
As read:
12.06
